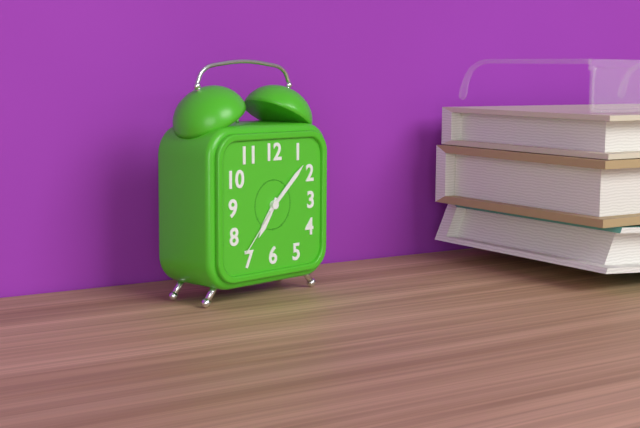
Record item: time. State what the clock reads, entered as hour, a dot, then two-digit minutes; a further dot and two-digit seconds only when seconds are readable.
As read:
7.08.37
